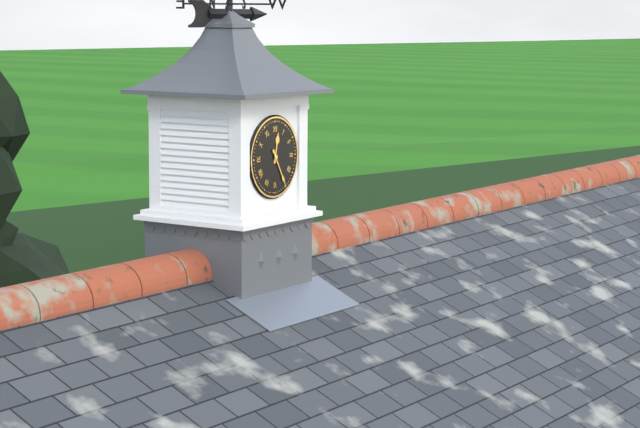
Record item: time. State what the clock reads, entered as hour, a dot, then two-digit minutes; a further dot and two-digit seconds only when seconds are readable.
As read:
12.25
